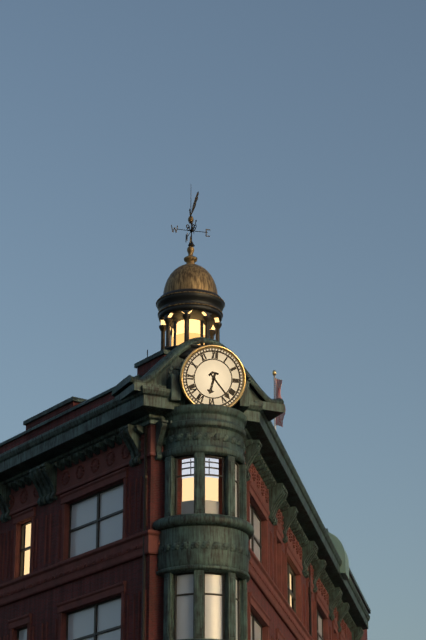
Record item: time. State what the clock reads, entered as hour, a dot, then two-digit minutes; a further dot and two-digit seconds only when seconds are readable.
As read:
6.23
